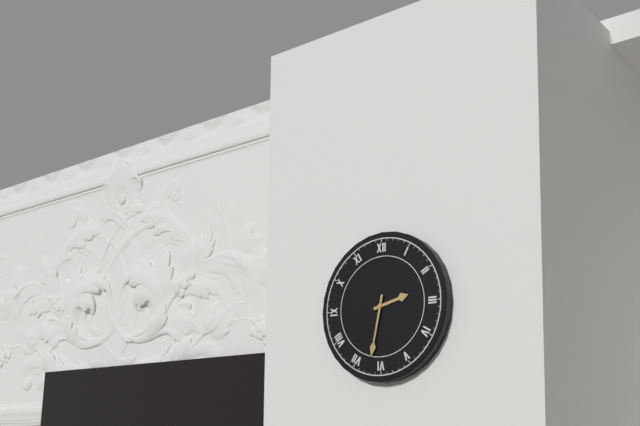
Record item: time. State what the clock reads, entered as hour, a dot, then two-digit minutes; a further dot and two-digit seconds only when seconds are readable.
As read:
2.32
